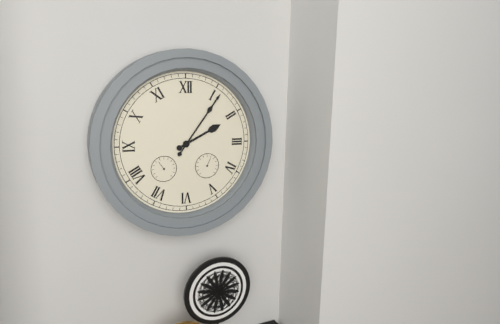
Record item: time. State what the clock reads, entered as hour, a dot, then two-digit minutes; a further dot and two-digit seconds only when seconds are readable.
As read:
2.06
